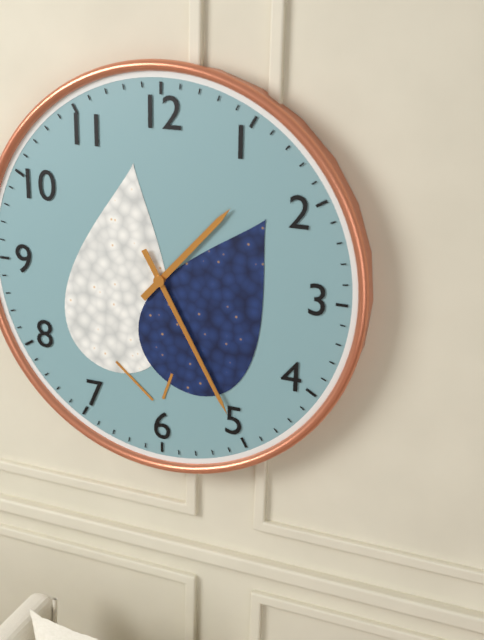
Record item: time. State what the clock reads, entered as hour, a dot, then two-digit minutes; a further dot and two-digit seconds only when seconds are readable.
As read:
1.25
